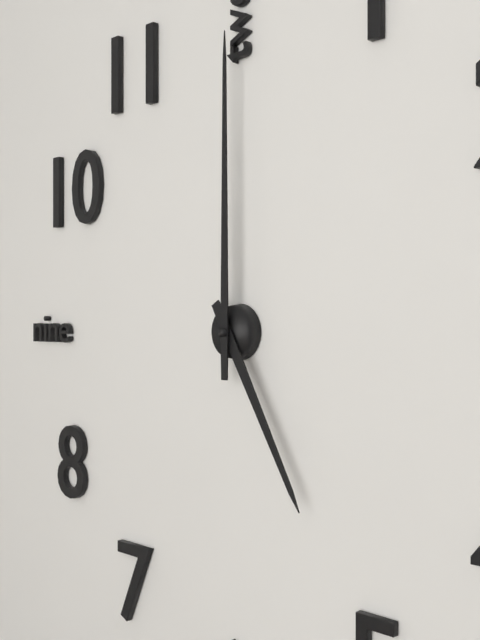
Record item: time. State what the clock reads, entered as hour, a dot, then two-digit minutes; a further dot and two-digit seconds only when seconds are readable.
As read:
5.00
